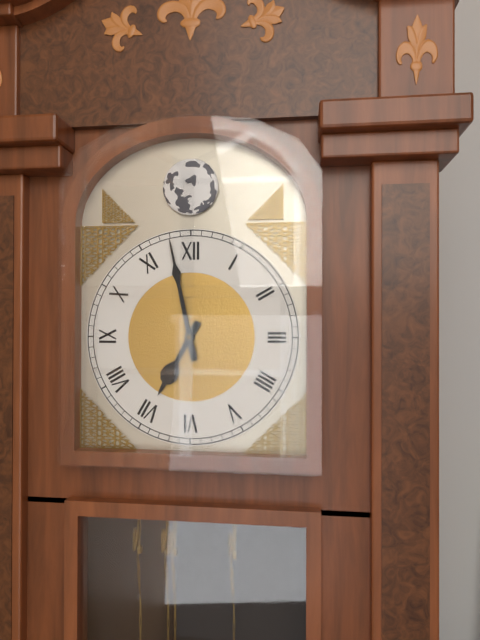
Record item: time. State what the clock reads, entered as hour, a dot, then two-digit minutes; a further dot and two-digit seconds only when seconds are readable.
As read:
6.58
